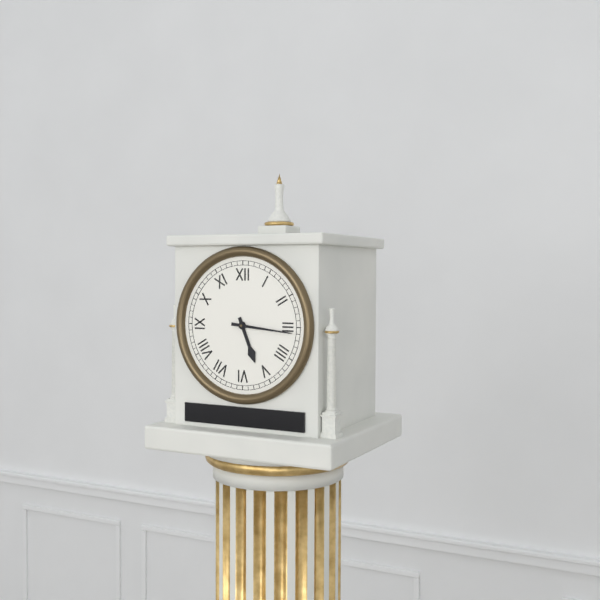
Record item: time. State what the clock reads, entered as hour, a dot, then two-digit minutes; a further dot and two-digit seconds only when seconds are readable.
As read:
5.16
